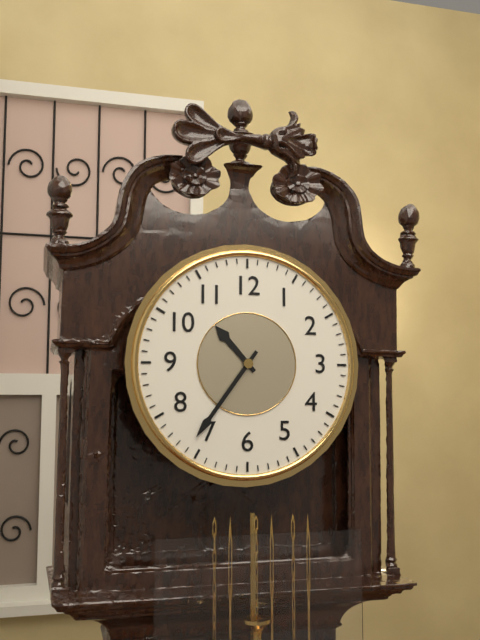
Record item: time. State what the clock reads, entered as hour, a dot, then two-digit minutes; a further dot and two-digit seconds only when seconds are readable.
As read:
10.36
